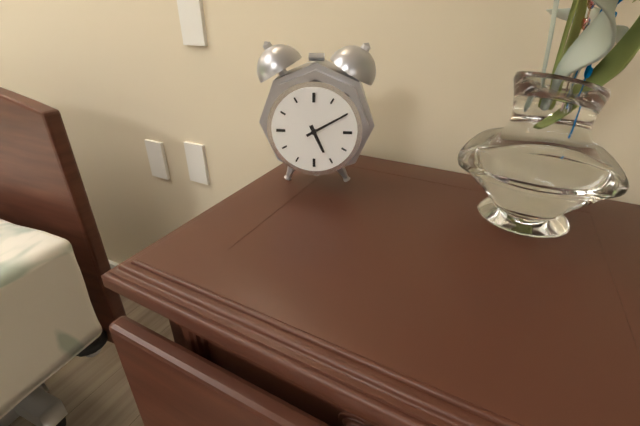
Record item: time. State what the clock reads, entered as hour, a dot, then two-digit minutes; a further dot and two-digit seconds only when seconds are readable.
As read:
5.10
